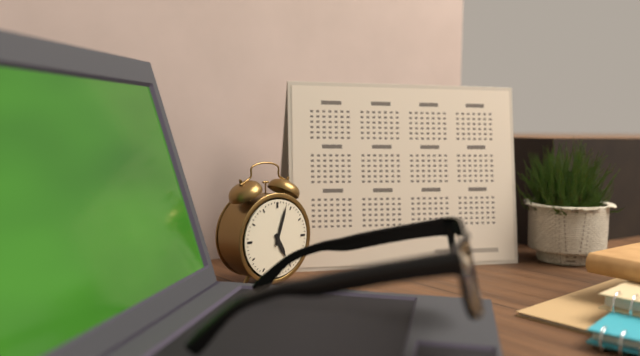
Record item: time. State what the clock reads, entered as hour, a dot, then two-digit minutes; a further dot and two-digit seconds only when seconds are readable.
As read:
5.03
